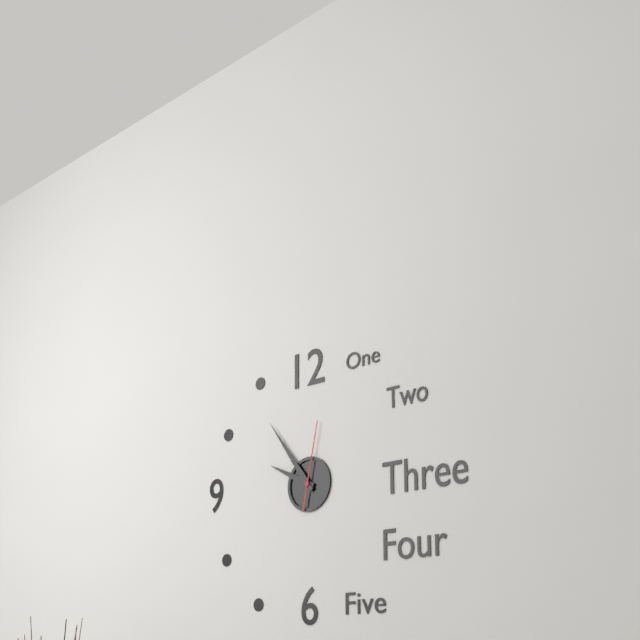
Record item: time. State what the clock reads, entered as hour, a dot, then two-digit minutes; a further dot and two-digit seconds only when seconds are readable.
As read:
9.54.02
